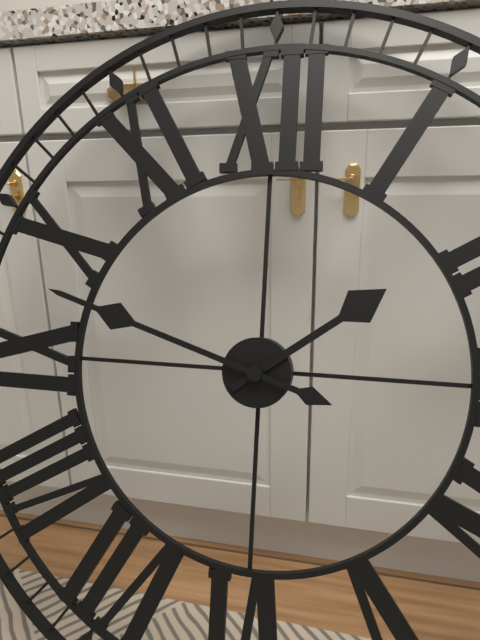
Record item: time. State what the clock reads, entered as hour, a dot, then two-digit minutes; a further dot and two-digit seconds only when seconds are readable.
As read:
1.48
